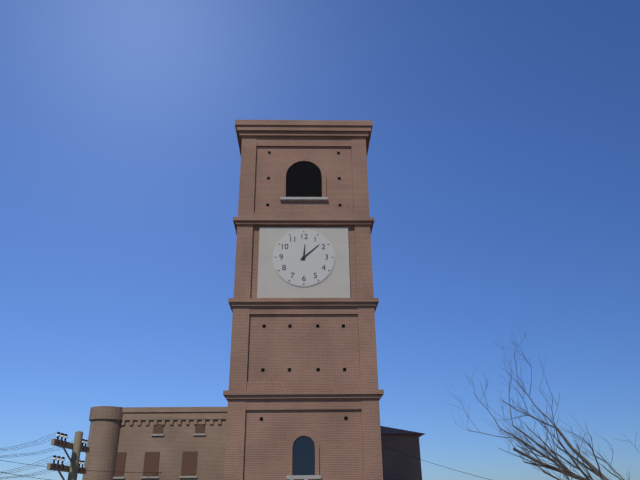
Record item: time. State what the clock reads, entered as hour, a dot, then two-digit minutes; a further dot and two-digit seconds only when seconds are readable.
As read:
12.08
